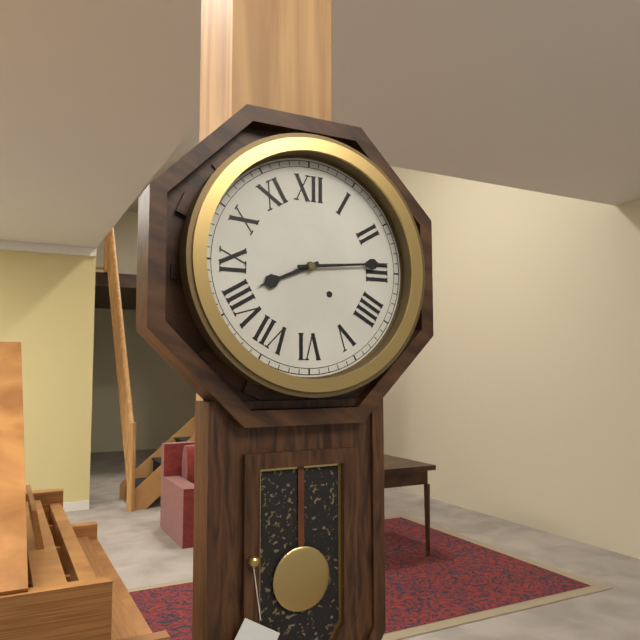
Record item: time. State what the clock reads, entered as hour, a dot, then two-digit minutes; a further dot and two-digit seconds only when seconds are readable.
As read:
8.14
